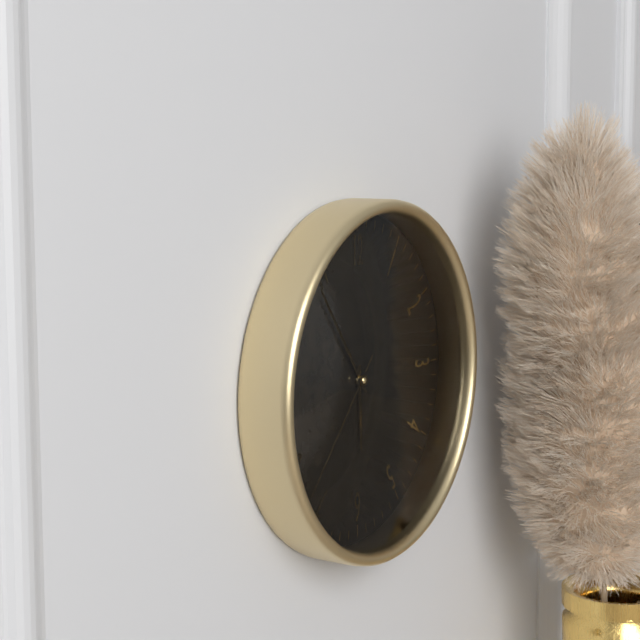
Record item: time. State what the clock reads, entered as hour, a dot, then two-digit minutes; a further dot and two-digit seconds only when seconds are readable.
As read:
5.54.37
